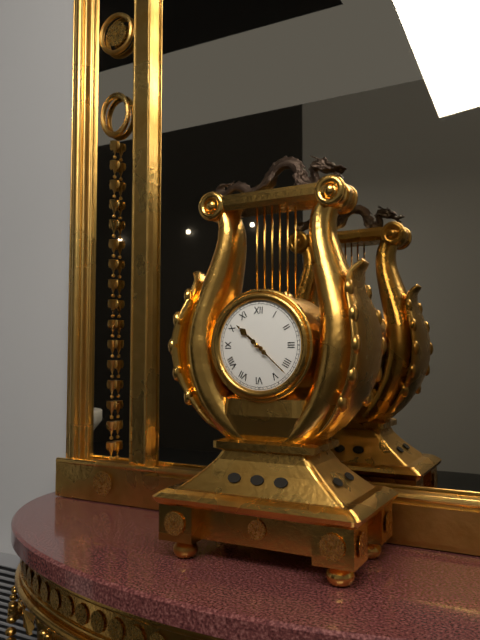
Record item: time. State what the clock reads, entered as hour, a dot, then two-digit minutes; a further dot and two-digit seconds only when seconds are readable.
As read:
10.22
